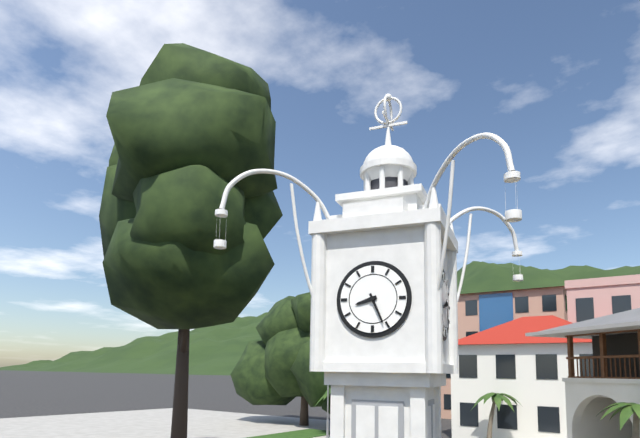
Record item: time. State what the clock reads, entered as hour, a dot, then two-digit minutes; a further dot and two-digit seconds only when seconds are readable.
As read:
8.26
